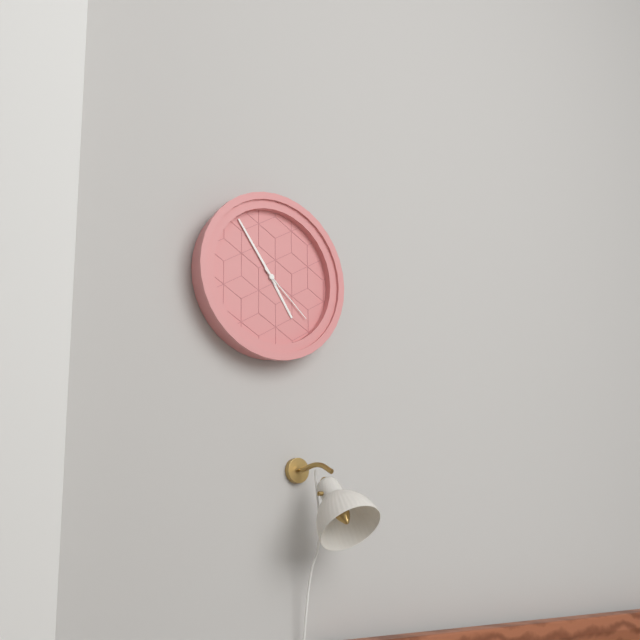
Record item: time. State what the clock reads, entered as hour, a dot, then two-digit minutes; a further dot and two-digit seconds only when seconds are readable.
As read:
4.54.22
